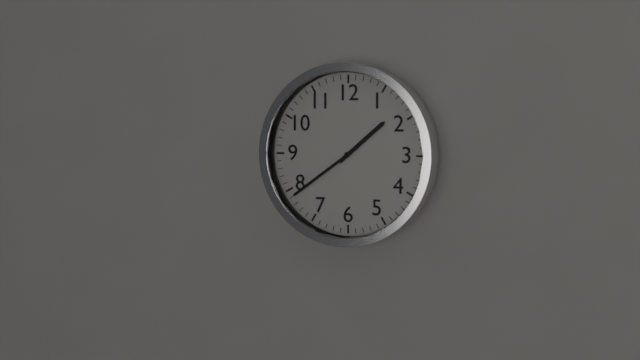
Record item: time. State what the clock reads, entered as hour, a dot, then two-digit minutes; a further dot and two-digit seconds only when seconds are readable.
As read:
1.39
